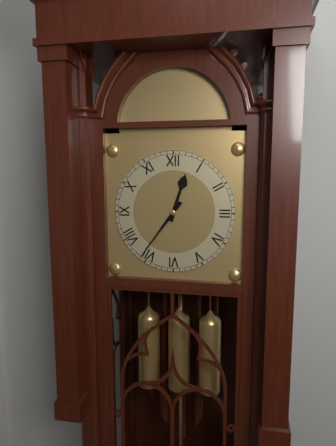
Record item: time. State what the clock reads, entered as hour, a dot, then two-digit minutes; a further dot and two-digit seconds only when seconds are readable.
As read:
12.36
